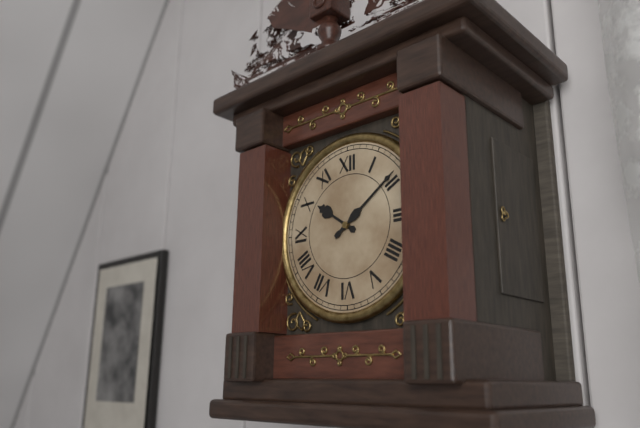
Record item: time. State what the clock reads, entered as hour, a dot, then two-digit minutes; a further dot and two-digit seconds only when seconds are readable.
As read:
10.09
